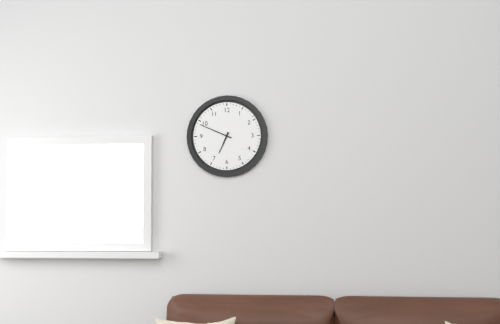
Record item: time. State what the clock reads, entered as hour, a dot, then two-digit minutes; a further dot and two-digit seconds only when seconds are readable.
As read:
6.49
